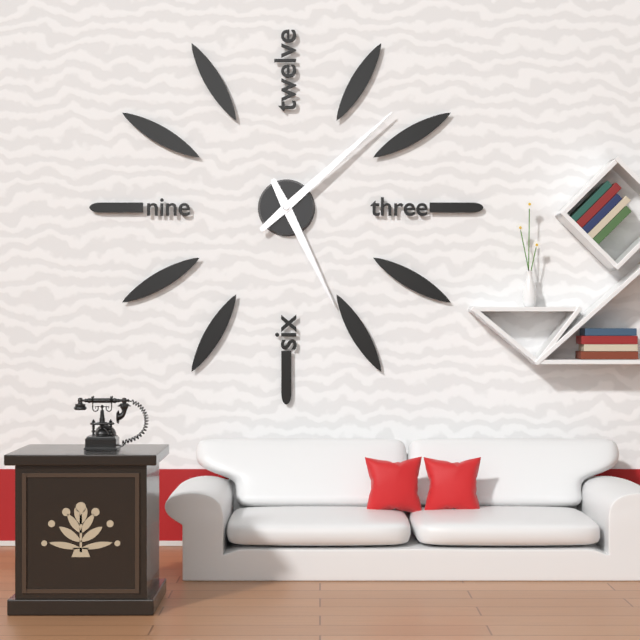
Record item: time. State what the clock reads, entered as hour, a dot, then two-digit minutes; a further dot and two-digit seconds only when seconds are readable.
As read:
5.08
